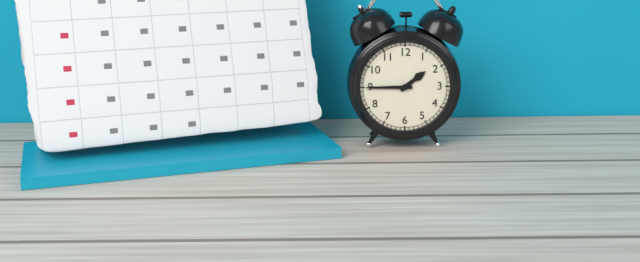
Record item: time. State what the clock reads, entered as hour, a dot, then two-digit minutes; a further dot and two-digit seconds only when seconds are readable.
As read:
1.45
